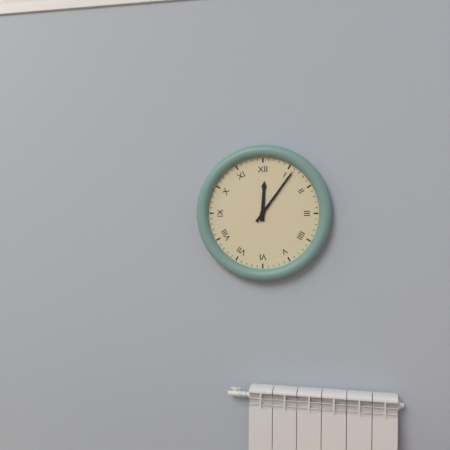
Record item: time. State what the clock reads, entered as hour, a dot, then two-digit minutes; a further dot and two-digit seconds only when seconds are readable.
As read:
12.06
